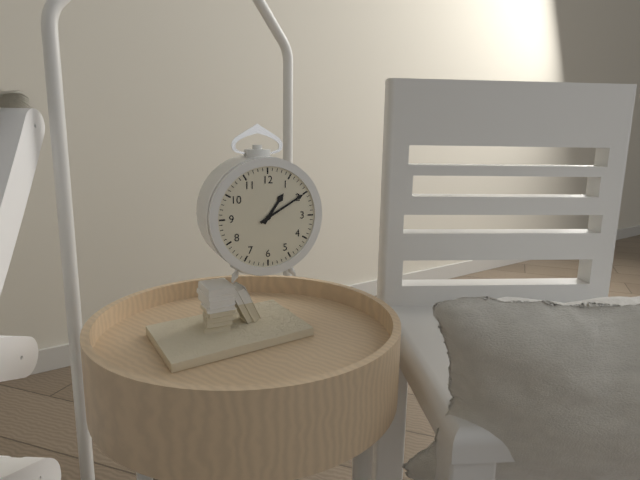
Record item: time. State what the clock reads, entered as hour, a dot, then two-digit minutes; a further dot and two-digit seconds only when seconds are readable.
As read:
1.10
